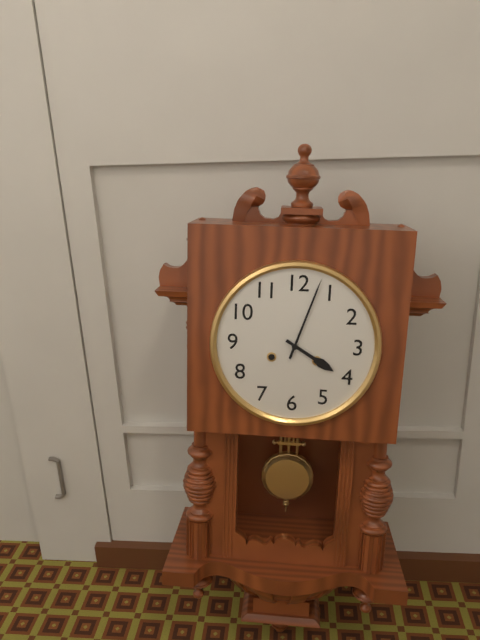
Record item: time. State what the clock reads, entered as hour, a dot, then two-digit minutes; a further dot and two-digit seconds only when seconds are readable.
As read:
4.03
